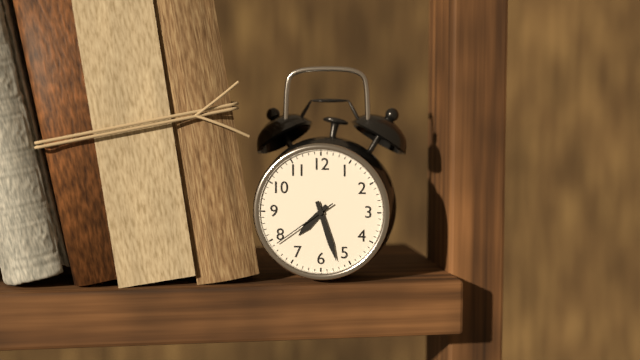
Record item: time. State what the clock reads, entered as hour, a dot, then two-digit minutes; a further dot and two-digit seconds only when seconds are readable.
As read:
7.27.39
